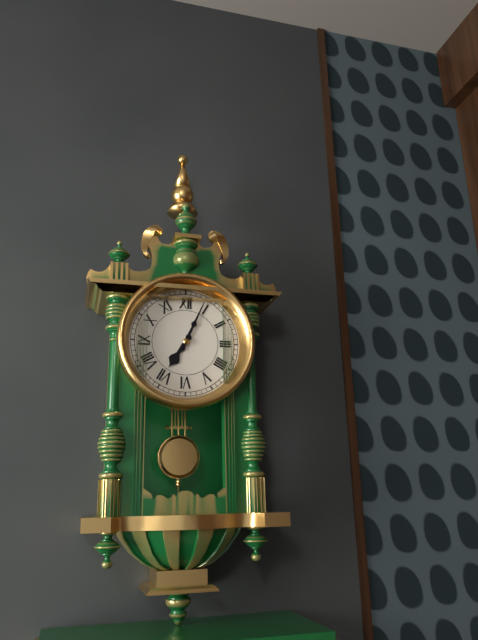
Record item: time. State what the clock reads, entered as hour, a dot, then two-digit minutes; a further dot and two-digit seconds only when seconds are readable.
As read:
7.04
